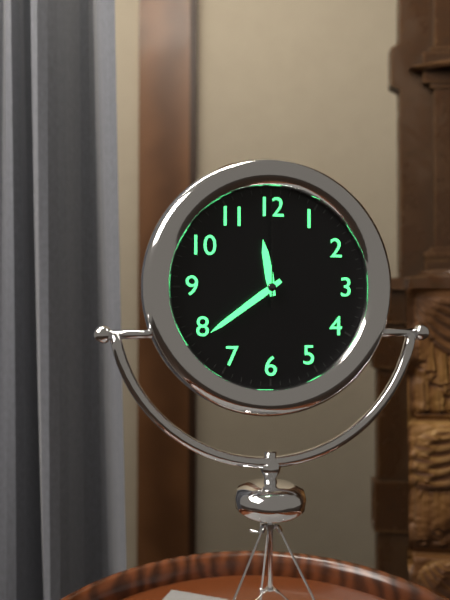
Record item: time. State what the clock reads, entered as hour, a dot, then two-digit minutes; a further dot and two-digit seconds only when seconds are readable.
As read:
11.39.00
